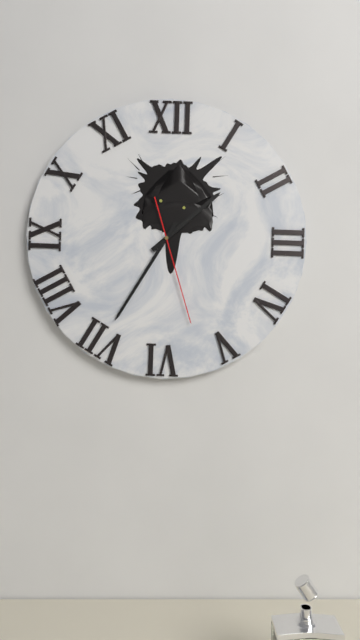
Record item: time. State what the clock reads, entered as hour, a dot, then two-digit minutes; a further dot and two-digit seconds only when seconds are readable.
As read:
1.35.27
